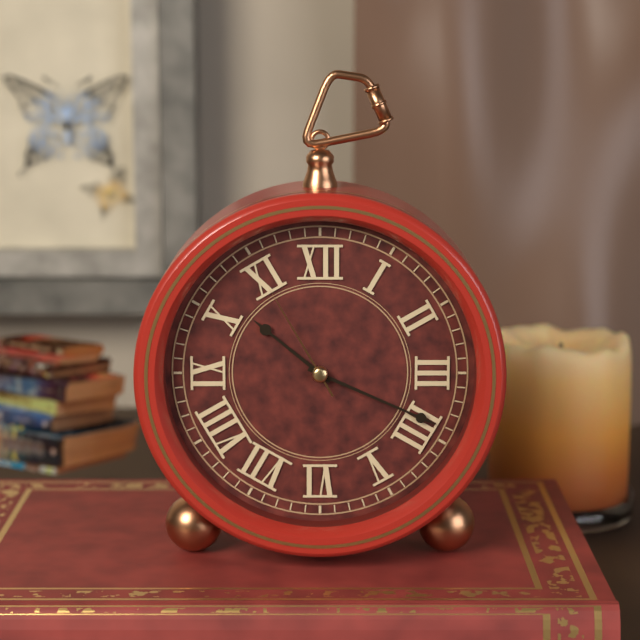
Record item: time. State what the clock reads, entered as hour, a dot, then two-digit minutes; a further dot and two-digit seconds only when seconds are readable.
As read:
10.19.55
